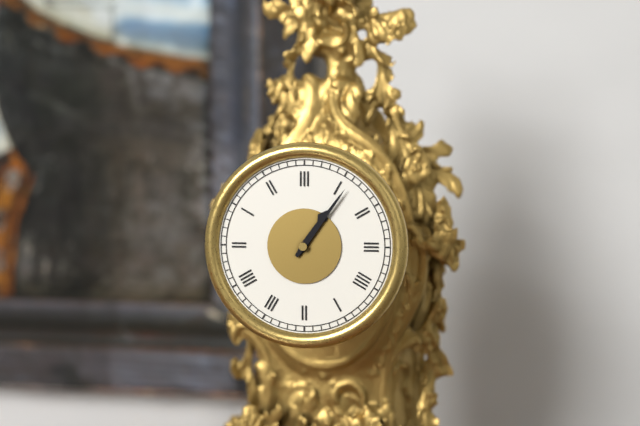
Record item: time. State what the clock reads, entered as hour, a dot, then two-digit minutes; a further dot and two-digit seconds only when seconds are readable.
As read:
1.06
